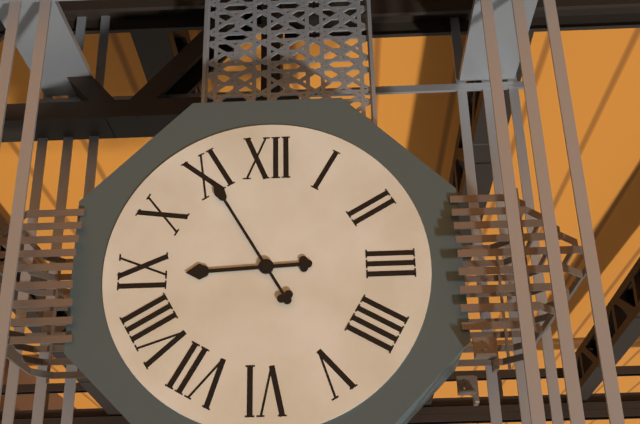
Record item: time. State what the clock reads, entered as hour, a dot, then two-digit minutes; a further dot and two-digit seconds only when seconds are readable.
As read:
8.55
